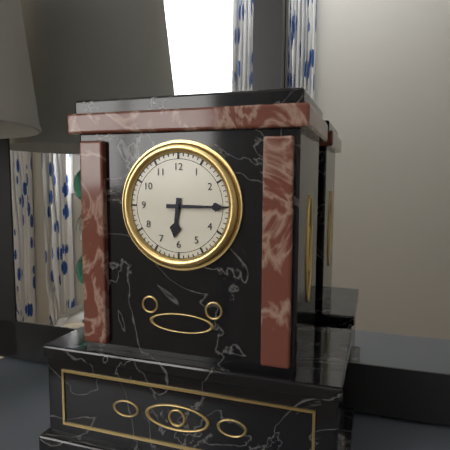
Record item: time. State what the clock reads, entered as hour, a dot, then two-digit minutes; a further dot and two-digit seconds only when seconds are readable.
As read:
6.15
